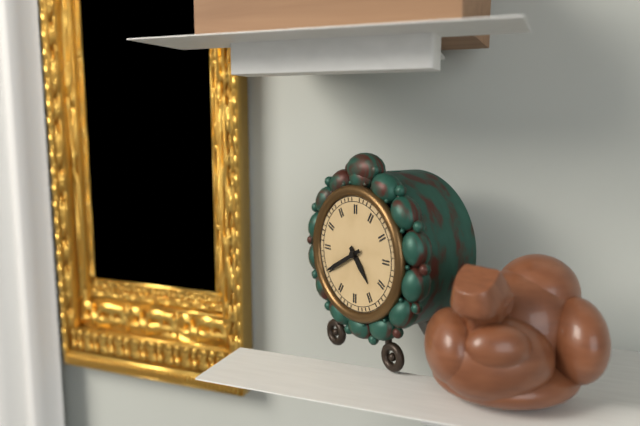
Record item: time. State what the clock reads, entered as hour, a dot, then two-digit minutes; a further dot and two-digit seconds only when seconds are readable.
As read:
4.40
